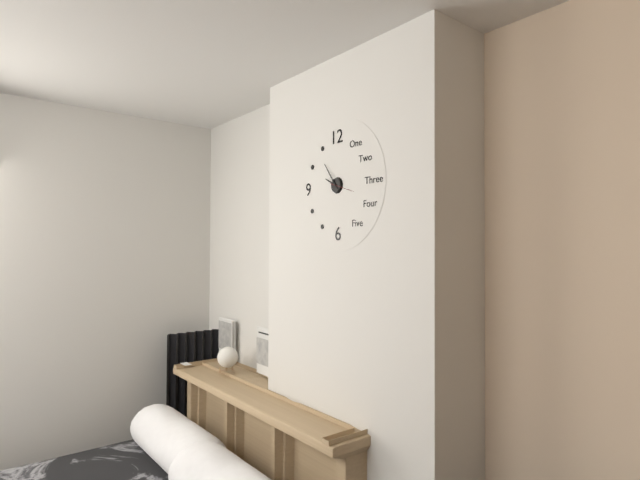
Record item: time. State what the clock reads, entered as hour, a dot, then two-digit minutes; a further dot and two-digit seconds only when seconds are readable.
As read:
9.54
